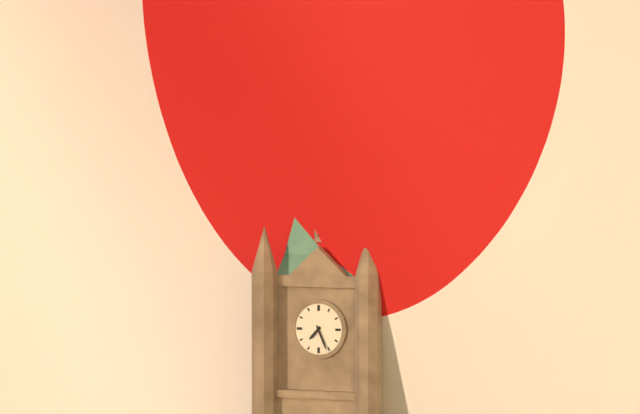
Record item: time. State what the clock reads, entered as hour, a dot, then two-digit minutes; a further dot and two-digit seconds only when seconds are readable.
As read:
7.26
